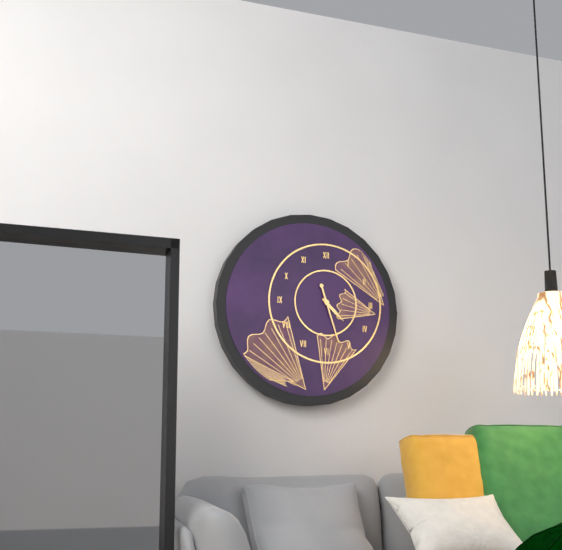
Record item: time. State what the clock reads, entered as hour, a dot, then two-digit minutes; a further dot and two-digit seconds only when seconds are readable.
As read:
4.27
